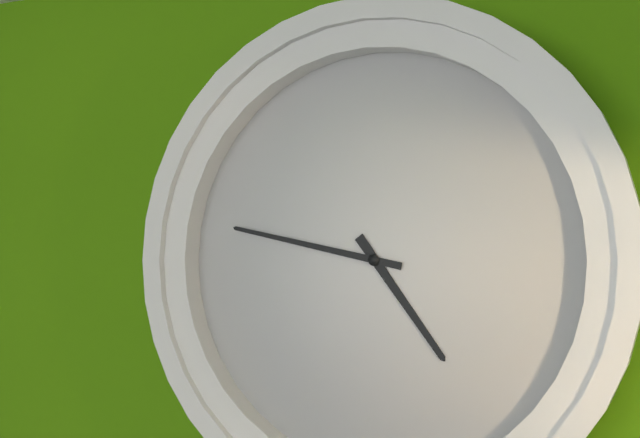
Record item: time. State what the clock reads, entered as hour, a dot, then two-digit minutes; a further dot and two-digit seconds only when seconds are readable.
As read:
4.47
